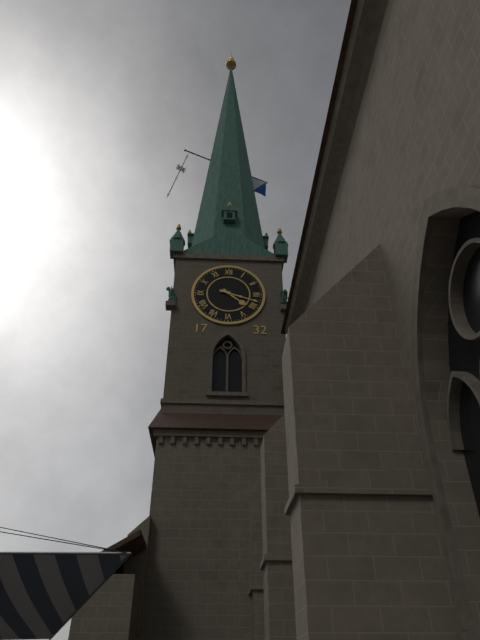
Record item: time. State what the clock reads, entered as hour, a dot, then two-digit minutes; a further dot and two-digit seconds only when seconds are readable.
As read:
4.18
